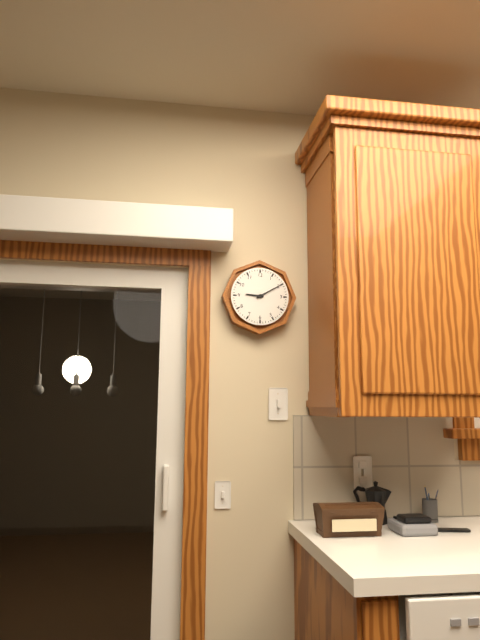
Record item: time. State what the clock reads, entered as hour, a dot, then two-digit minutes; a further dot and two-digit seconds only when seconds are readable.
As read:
9.10
